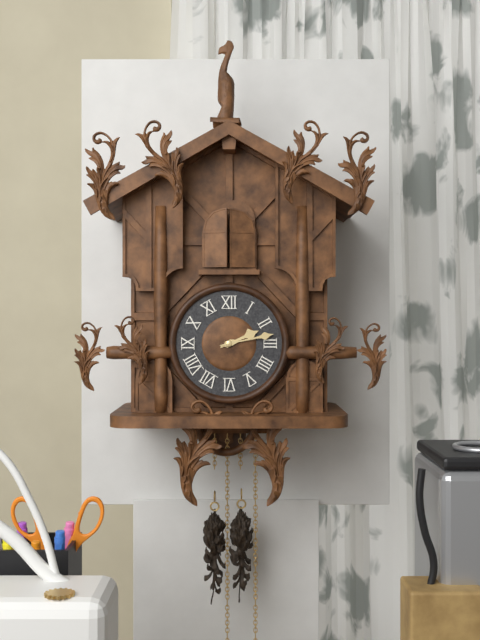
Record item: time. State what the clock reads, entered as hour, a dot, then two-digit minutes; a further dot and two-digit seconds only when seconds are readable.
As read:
2.13
